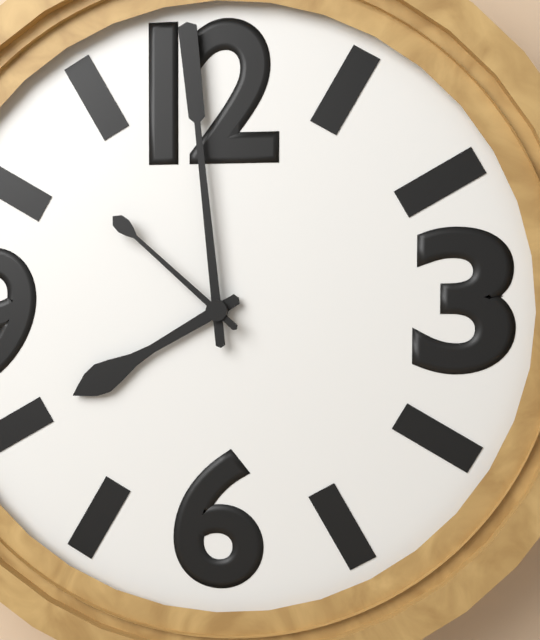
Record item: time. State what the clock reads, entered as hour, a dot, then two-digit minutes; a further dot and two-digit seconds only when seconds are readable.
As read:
7.59.52
